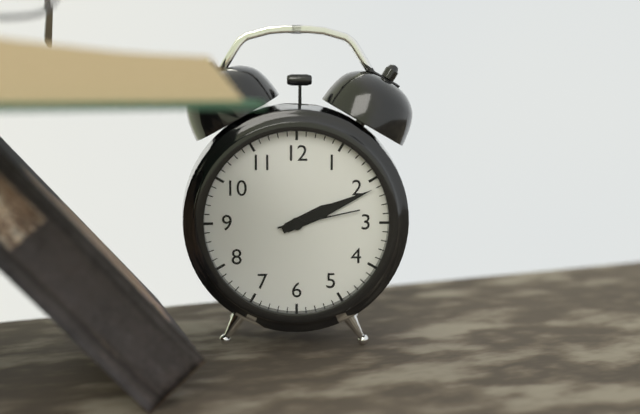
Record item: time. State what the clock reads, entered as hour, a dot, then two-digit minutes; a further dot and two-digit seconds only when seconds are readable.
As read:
2.11.13
